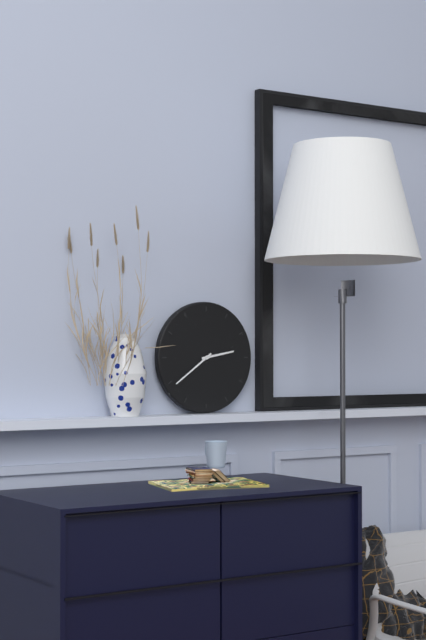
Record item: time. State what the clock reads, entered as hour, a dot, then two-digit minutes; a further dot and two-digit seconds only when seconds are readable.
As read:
2.39
